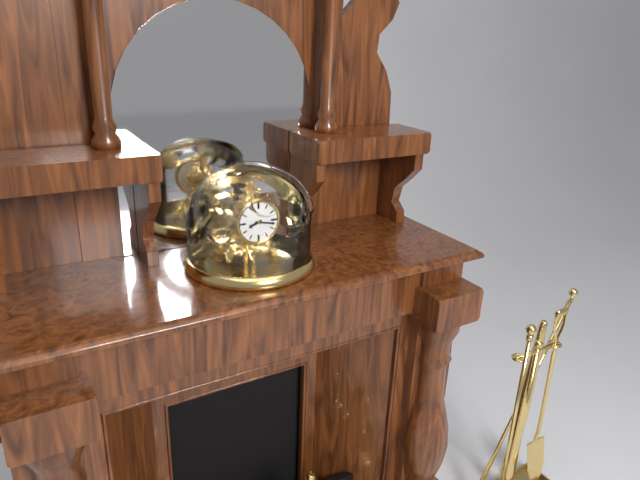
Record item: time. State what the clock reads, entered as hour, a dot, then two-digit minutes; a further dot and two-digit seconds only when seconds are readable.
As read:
8.17
